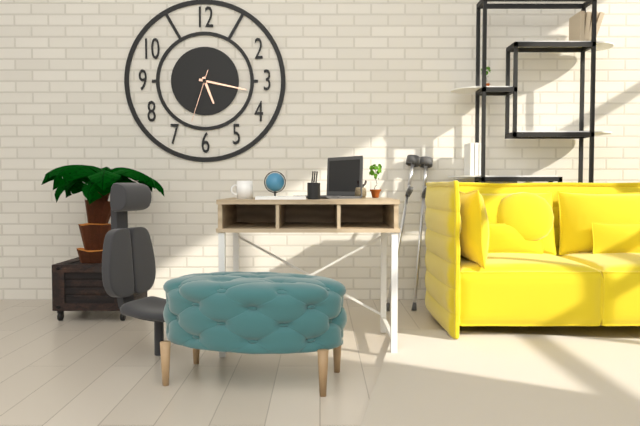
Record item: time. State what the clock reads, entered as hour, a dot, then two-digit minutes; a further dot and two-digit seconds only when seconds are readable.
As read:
5.17.33
